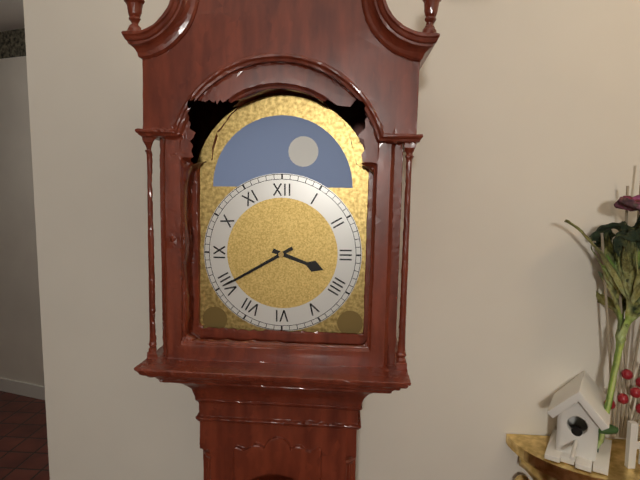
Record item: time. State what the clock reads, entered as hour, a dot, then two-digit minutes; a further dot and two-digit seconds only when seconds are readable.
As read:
3.40
